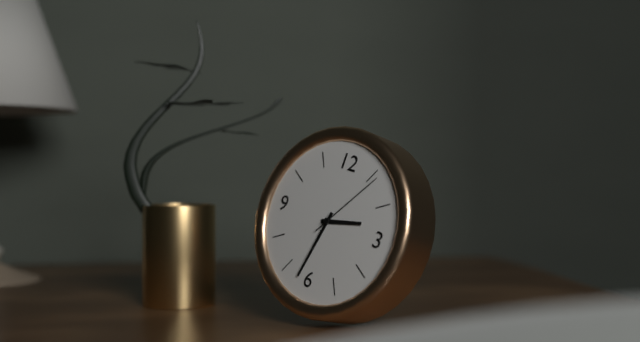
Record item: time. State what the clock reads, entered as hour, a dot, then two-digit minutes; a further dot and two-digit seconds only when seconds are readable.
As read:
2.32.06
